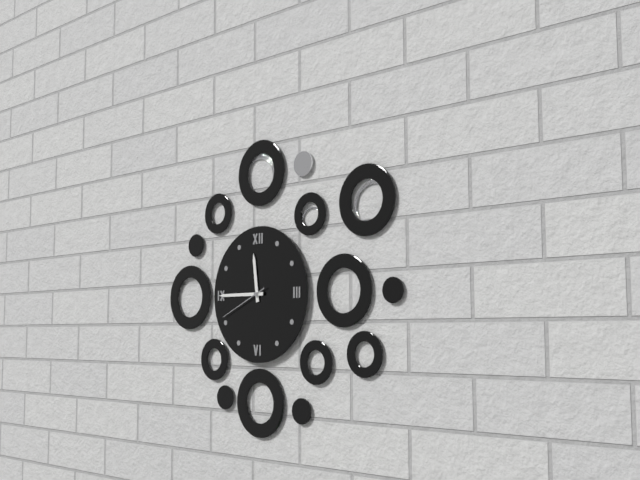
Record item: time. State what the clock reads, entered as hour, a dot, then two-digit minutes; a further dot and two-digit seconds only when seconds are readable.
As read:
11.45.41
